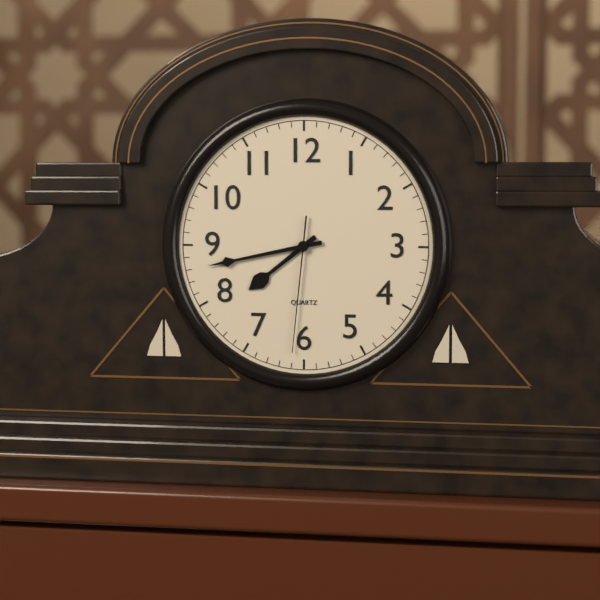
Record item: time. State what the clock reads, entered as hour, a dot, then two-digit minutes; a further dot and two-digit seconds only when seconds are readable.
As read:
7.43.31
